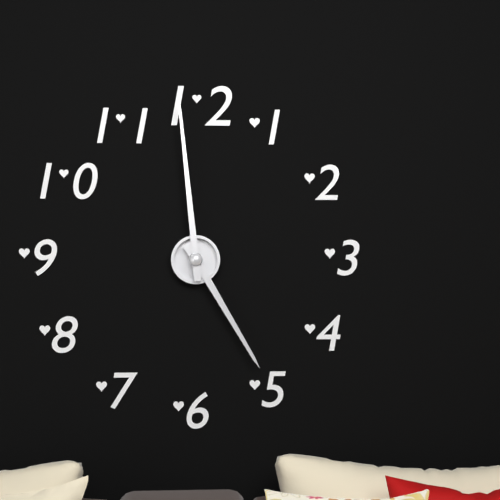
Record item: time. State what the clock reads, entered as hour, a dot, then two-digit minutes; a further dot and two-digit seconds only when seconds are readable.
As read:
4.59
